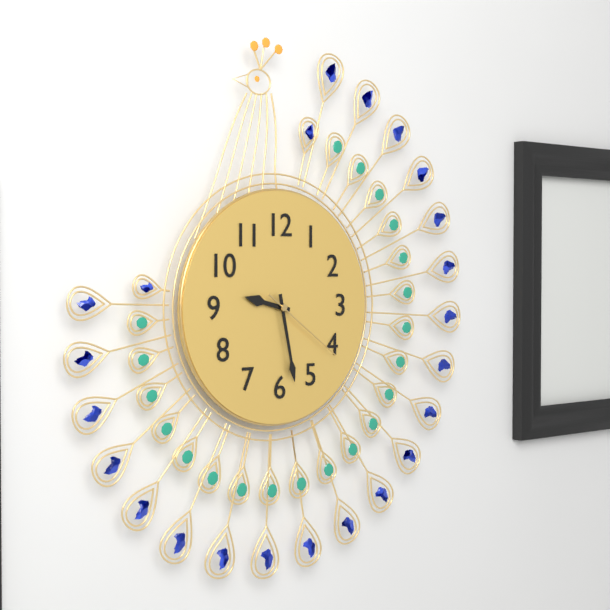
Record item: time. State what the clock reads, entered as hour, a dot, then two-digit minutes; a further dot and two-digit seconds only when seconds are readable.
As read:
9.28.21
